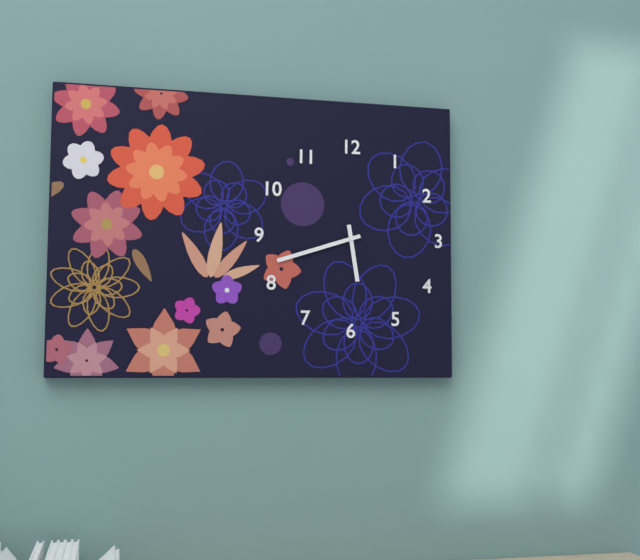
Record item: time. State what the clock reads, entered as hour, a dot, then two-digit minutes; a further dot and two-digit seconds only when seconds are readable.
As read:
5.42
